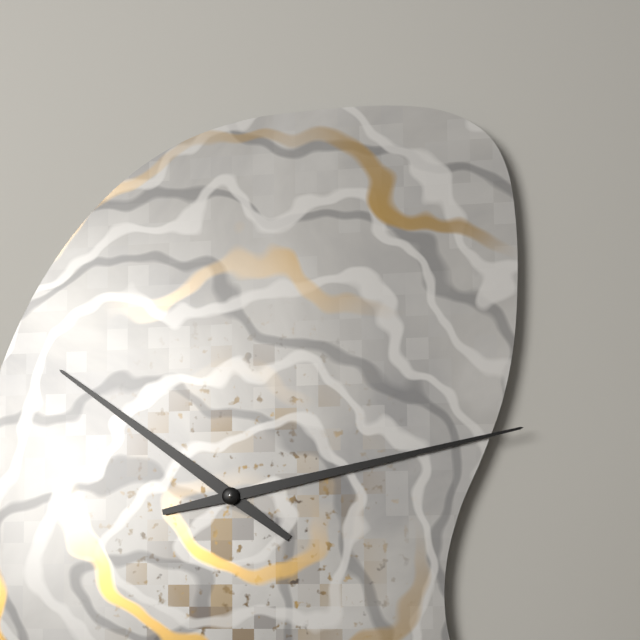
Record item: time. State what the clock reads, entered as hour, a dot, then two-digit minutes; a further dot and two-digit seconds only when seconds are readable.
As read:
10.13
